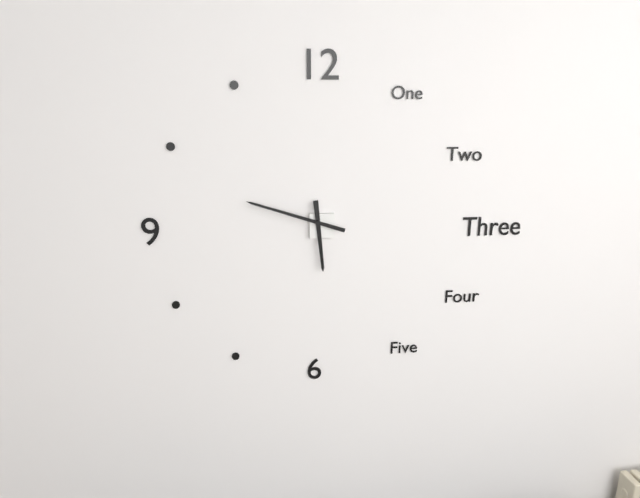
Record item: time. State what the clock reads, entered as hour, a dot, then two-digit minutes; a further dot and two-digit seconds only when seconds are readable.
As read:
5.48
